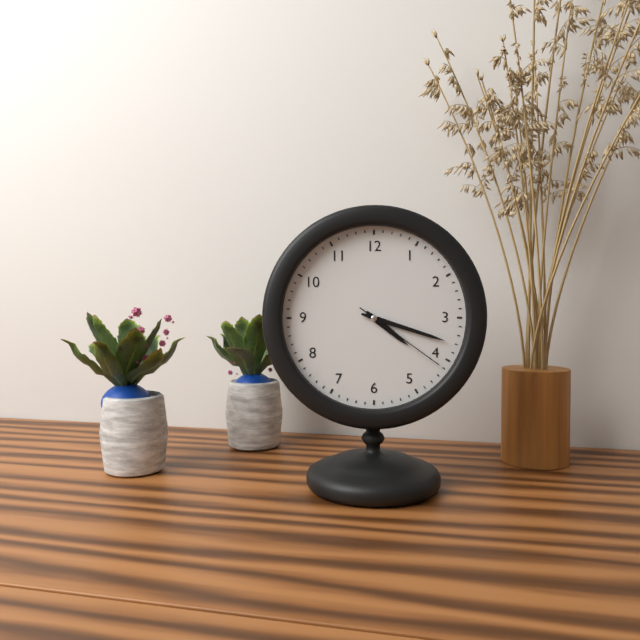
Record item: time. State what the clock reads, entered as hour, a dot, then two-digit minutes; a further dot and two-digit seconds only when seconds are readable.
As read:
4.18.21
